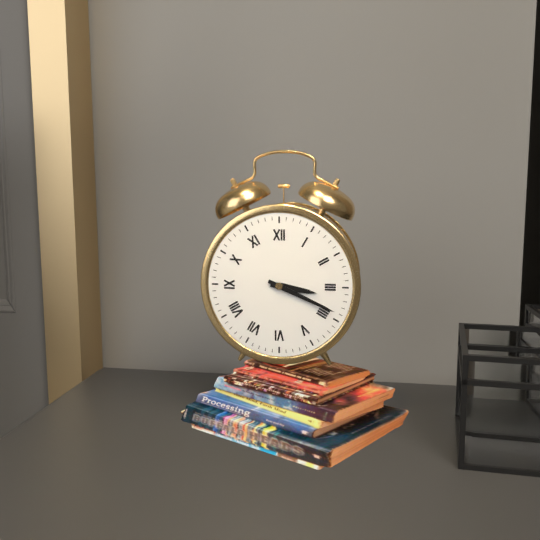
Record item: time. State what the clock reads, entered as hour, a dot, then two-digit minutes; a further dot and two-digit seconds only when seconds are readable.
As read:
3.19
